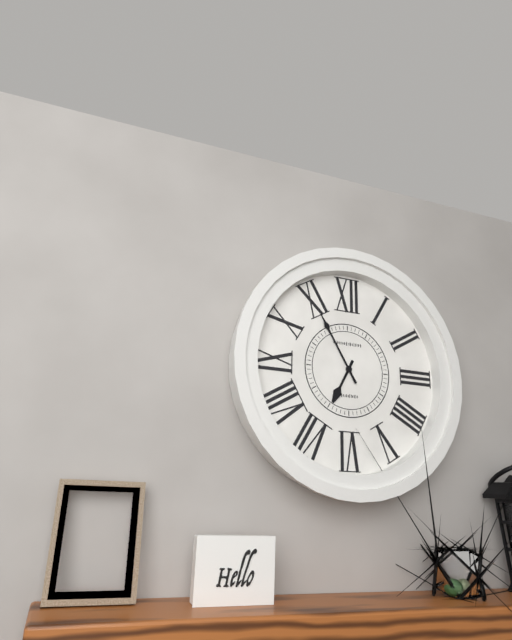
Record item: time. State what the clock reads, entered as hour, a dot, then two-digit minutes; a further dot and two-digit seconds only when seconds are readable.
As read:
6.55
